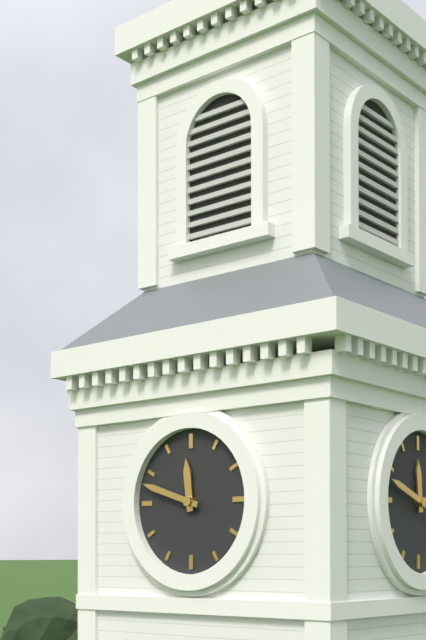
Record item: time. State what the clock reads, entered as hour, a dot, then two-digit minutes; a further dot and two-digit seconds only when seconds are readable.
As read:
11.48
